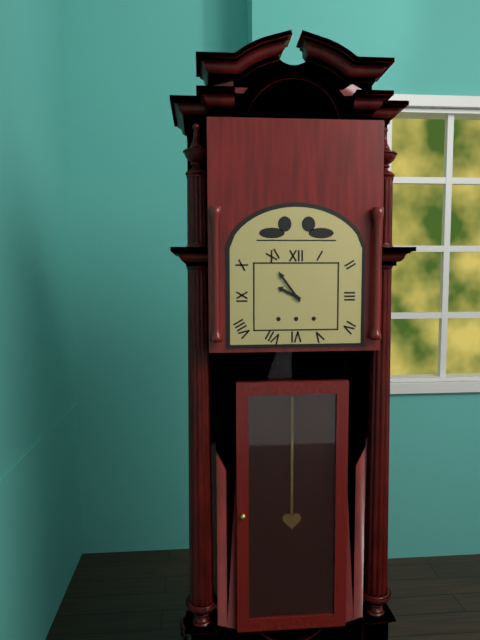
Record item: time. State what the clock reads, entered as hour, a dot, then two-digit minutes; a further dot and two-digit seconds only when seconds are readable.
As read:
9.54
